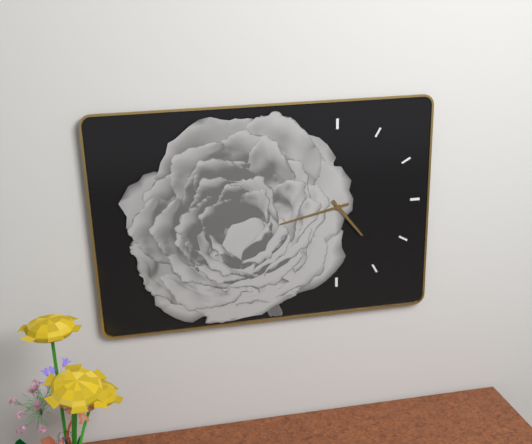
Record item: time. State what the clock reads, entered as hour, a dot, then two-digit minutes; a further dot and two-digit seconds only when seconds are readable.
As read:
4.43
